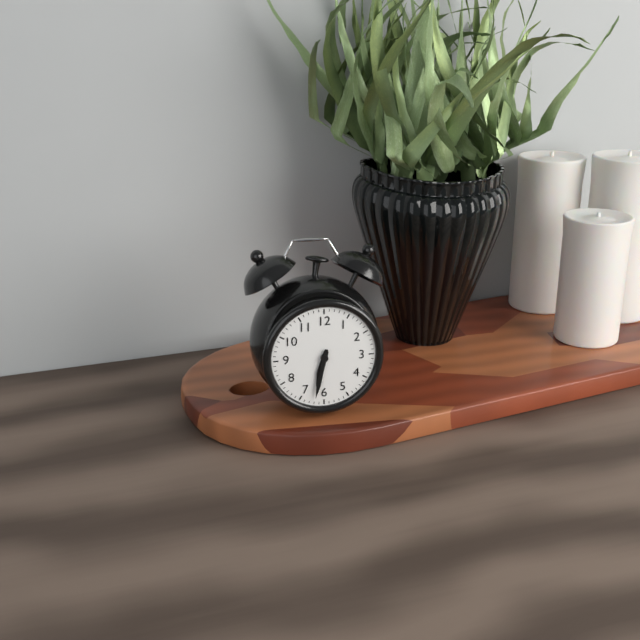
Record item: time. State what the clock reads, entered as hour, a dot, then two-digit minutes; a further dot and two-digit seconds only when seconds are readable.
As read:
6.32
